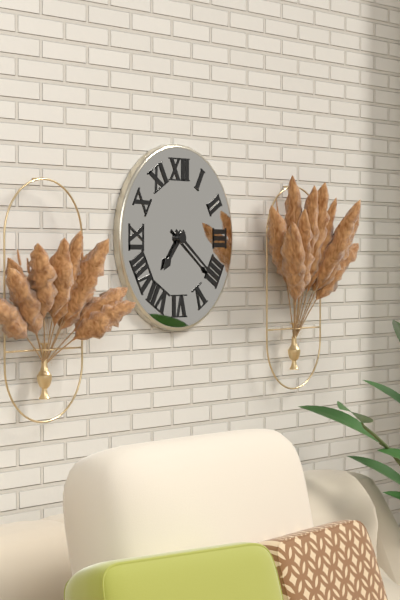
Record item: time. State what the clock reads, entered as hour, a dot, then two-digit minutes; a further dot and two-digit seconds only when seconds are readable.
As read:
7.21
